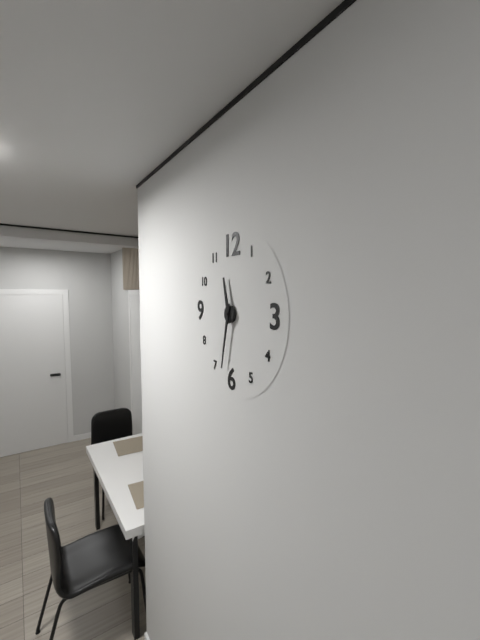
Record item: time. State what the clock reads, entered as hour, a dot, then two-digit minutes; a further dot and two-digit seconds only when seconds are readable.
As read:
11.32
